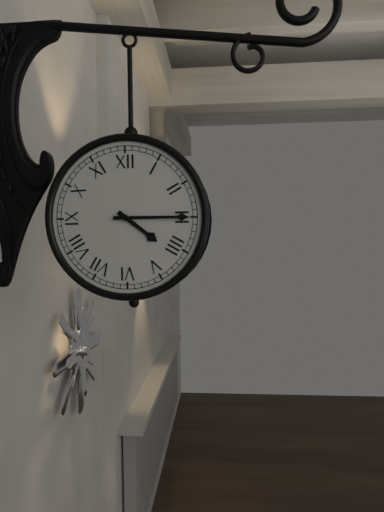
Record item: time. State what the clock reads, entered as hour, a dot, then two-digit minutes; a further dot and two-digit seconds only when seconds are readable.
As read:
4.15
